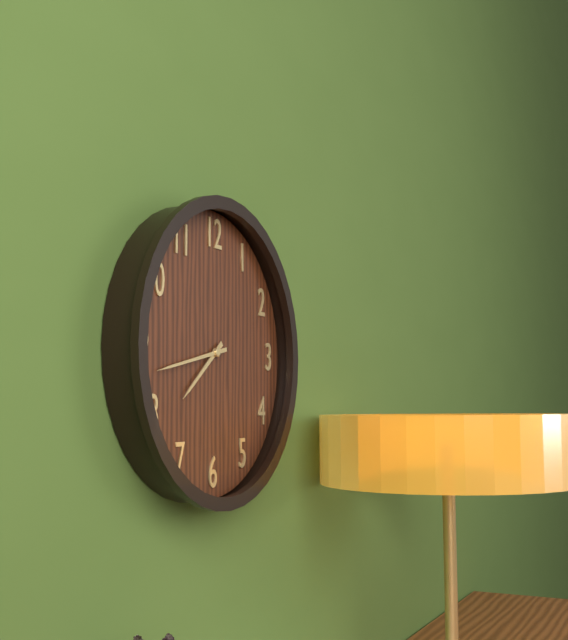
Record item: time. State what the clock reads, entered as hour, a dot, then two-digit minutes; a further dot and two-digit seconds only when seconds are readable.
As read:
7.43
